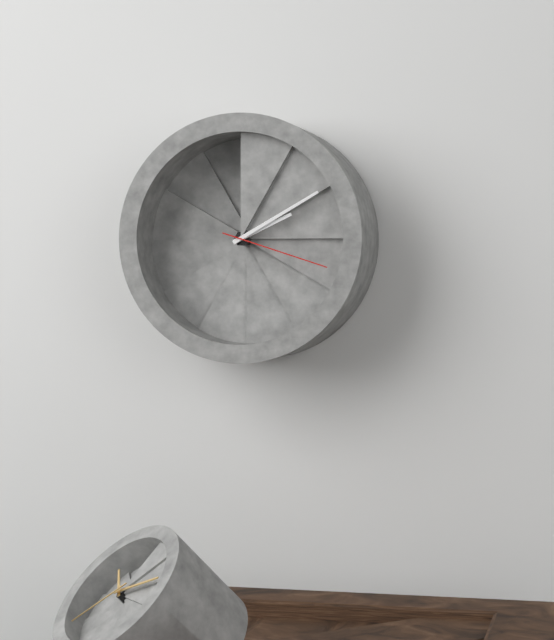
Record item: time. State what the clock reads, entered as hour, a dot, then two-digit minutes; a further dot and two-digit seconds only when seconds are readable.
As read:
2.10.18
